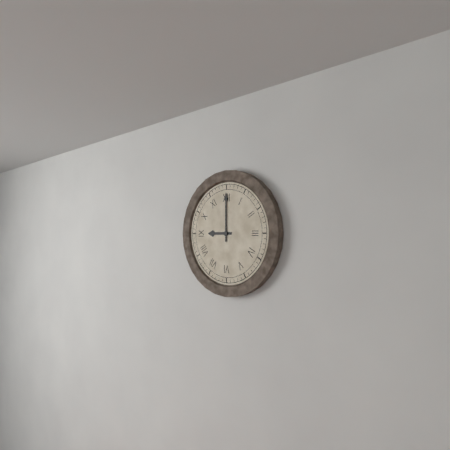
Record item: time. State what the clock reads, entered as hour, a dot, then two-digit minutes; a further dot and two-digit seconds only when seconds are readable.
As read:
9.00
